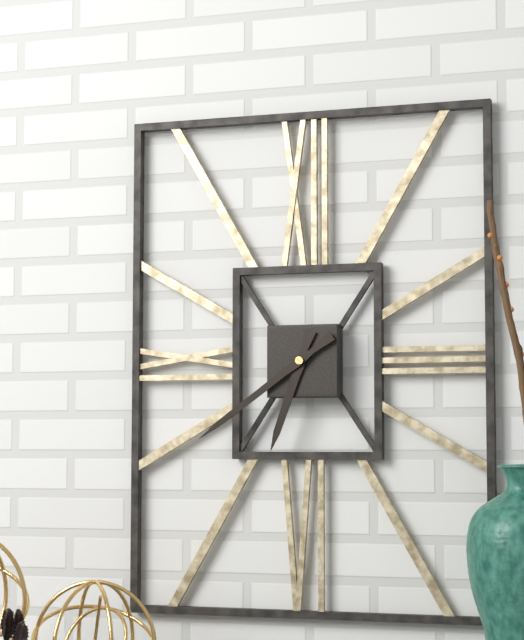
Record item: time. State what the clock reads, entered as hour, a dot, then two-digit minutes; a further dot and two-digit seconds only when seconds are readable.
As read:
6.39
